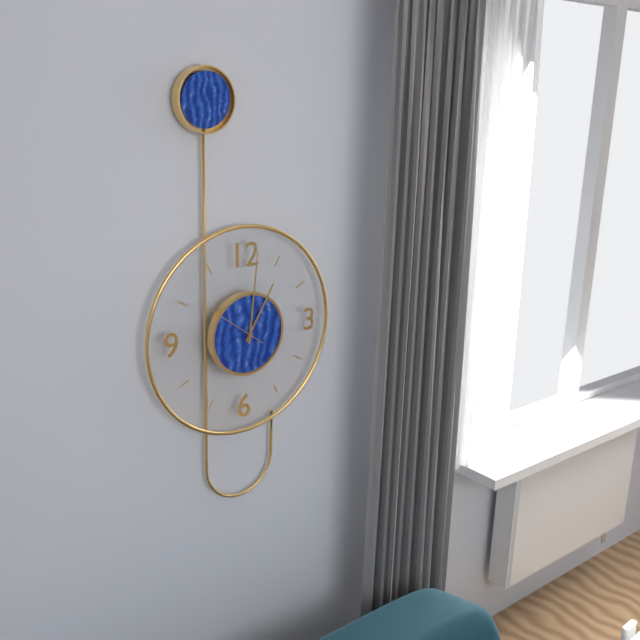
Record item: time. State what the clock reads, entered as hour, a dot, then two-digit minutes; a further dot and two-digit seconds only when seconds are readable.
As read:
1.01.51
